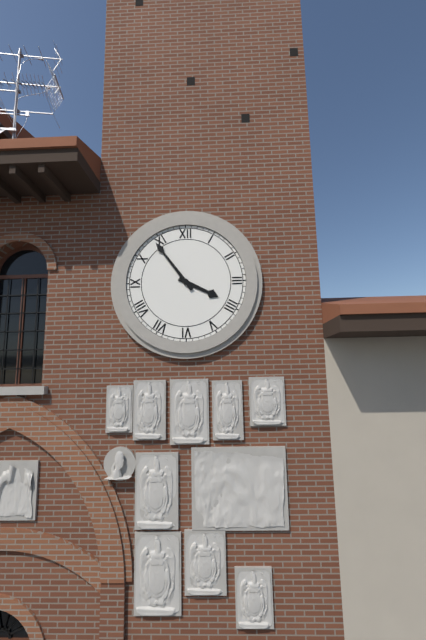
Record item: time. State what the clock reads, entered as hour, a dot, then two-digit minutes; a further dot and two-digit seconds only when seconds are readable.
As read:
3.54
